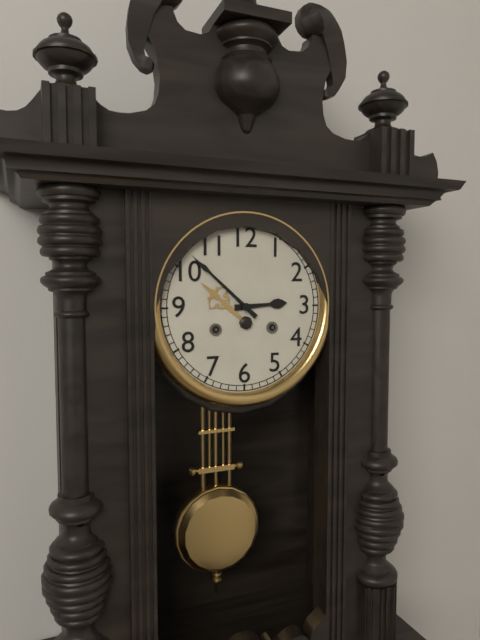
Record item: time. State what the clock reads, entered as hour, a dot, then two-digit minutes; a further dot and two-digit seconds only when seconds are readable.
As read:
2.52
